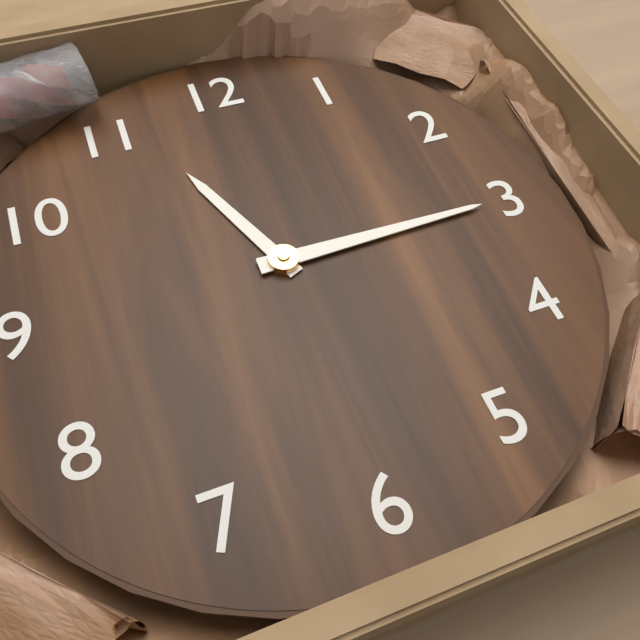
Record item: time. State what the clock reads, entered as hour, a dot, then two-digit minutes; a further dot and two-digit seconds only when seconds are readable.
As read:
11.15
